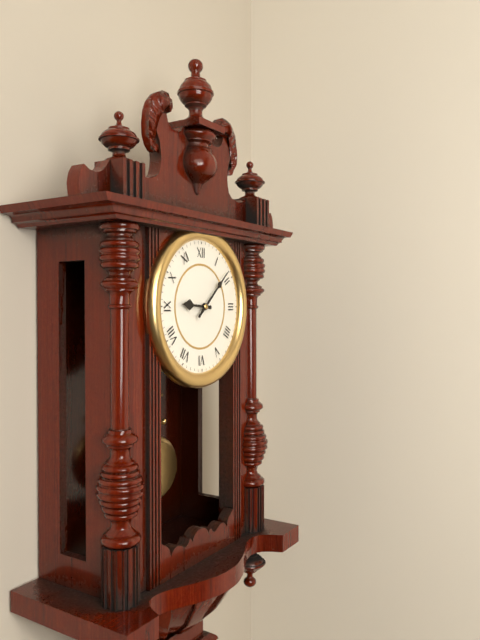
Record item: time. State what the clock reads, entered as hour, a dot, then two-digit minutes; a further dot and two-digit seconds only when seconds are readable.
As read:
9.08
